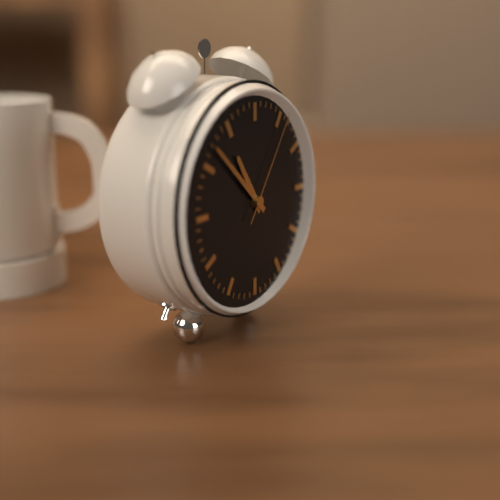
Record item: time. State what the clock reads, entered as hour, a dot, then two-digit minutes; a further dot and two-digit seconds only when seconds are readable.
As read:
10.52.06
